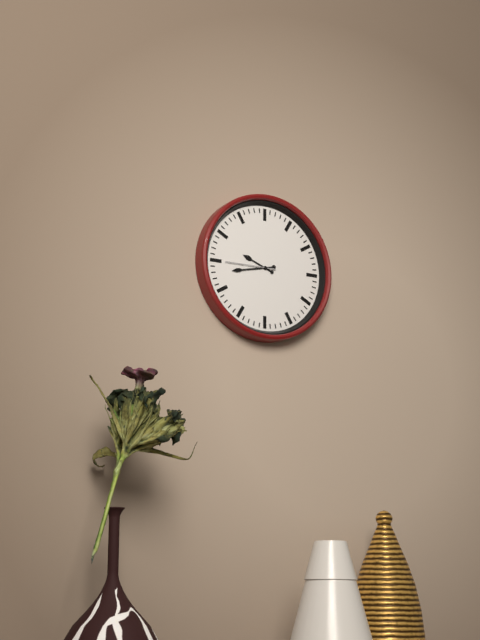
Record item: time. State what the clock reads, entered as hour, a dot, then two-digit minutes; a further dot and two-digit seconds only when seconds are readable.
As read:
9.43
